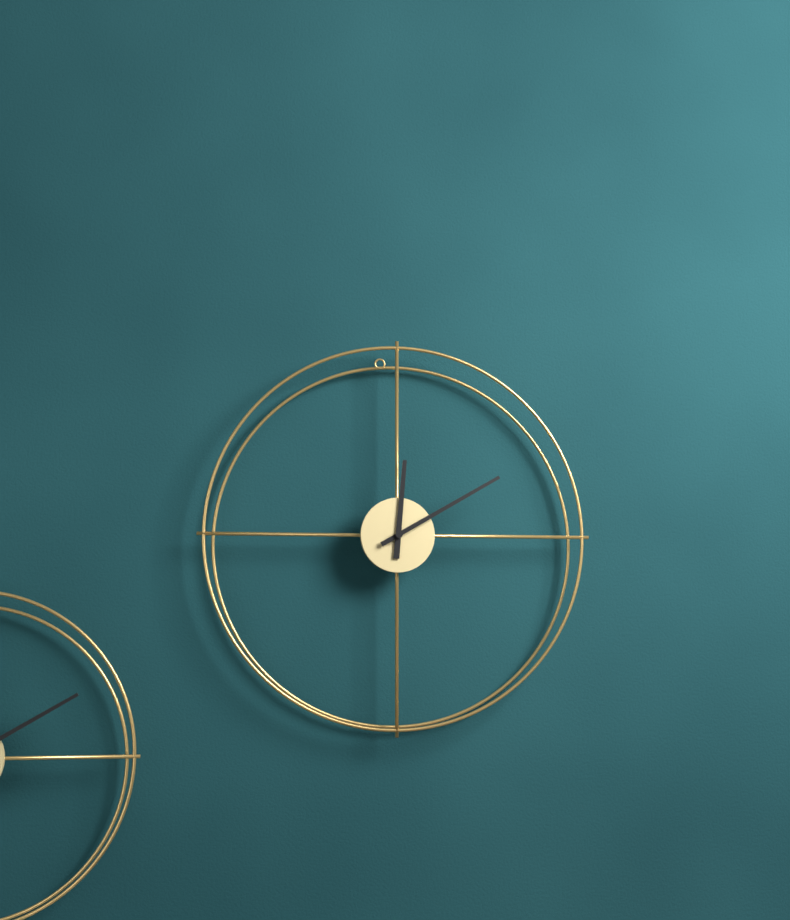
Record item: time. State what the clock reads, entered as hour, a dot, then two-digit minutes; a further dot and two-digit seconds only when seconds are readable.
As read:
12.10
